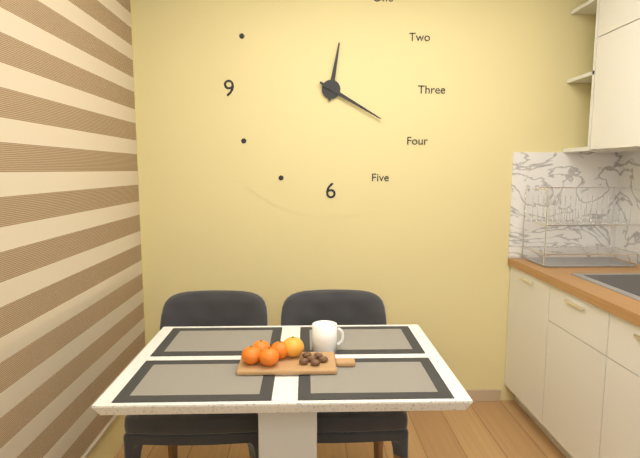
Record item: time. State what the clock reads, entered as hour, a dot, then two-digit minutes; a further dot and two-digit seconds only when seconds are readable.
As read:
12.20
